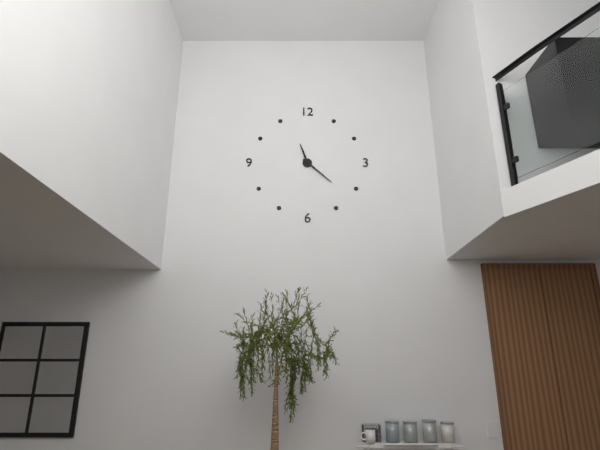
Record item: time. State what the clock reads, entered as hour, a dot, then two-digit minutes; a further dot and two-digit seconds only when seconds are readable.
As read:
11.22
